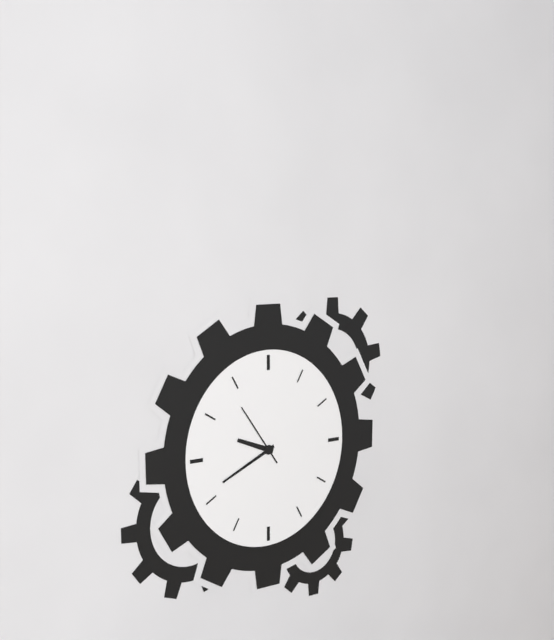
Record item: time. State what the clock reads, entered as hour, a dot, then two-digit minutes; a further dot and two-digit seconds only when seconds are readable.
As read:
9.41.54
